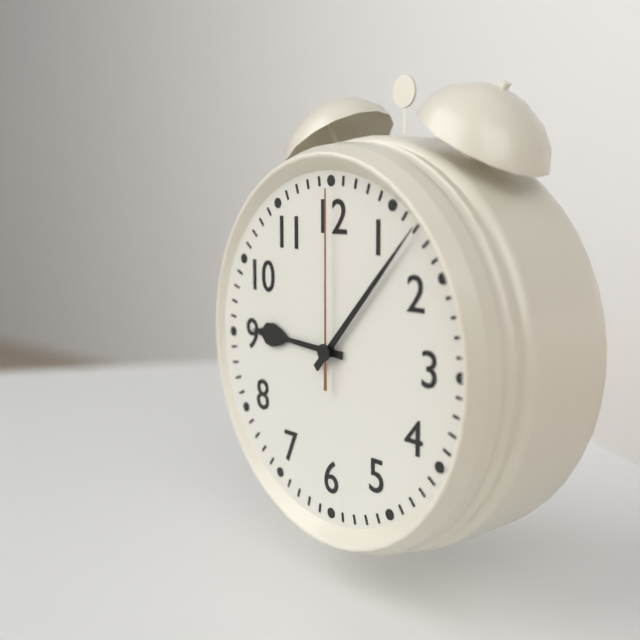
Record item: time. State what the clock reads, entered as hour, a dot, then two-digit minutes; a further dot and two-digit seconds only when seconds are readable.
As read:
9.07.00
